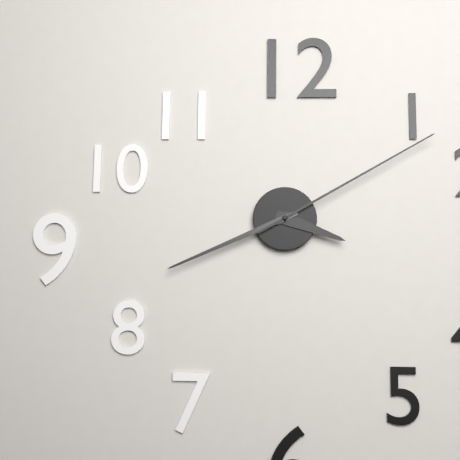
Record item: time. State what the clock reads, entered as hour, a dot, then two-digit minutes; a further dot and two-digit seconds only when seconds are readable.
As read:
3.41.10
